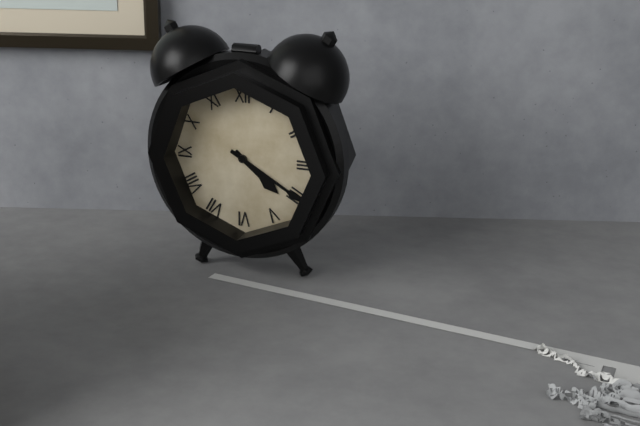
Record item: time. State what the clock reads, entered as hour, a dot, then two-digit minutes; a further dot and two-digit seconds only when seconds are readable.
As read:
4.20
